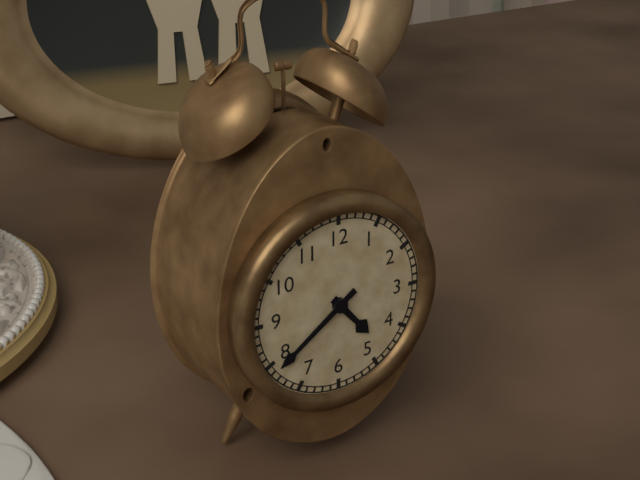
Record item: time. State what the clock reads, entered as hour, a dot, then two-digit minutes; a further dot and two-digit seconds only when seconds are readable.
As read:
4.39
